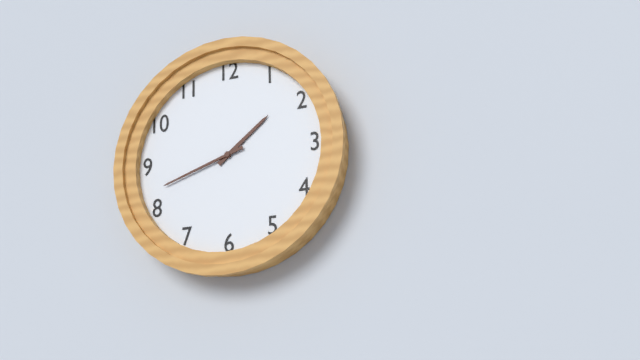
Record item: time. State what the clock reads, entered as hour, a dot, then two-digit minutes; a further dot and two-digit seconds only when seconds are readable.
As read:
1.42
